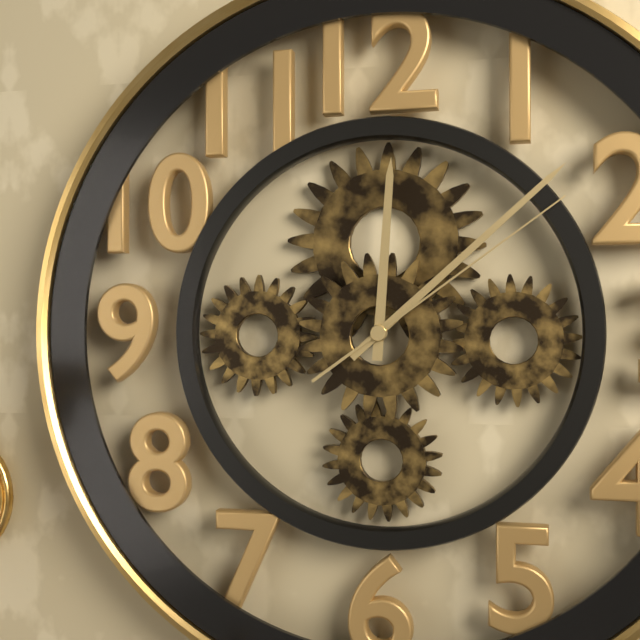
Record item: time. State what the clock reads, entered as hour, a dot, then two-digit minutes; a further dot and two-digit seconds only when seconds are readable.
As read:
12.08.09
